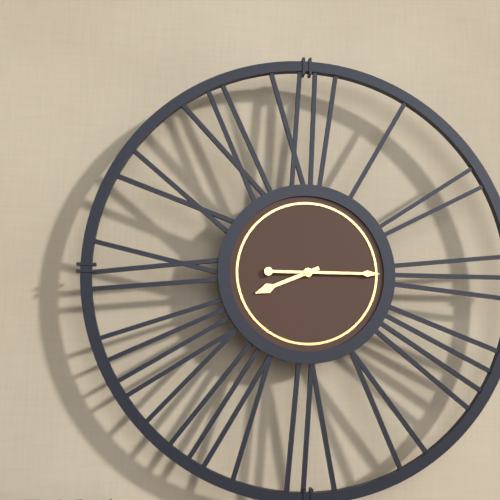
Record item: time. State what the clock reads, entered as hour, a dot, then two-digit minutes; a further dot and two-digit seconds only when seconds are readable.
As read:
8.15
